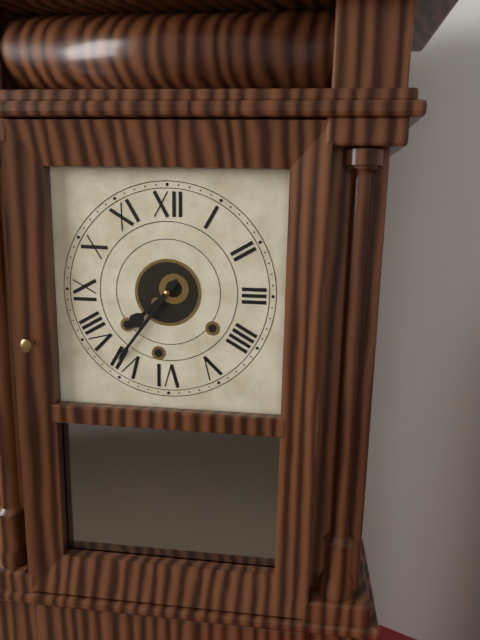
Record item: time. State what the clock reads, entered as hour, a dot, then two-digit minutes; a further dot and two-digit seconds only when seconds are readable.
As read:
7.36
